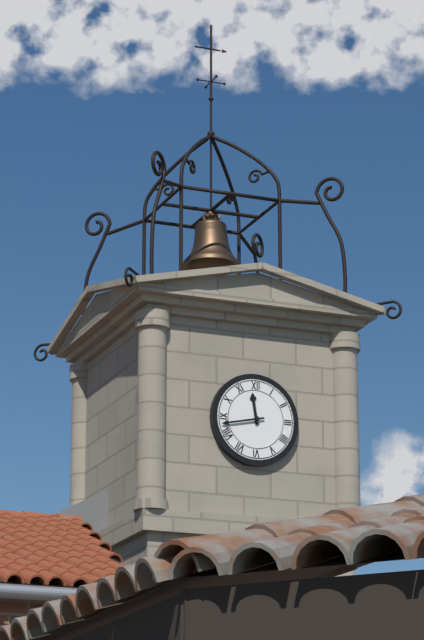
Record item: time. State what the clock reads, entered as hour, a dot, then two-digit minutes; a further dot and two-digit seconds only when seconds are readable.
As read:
11.43
